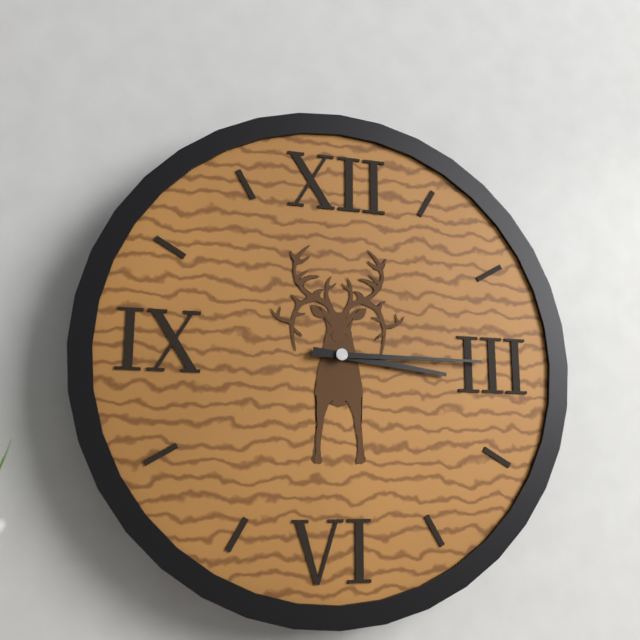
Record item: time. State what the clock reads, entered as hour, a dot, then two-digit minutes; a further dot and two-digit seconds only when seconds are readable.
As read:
3.15
